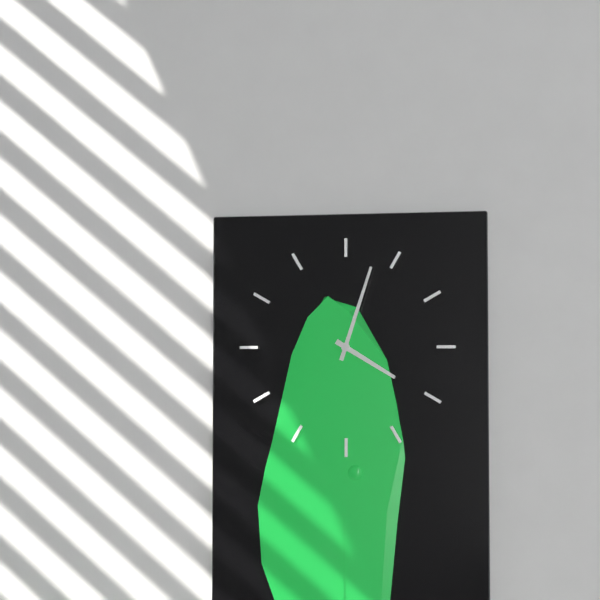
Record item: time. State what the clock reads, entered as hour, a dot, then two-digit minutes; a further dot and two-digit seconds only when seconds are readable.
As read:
4.03
